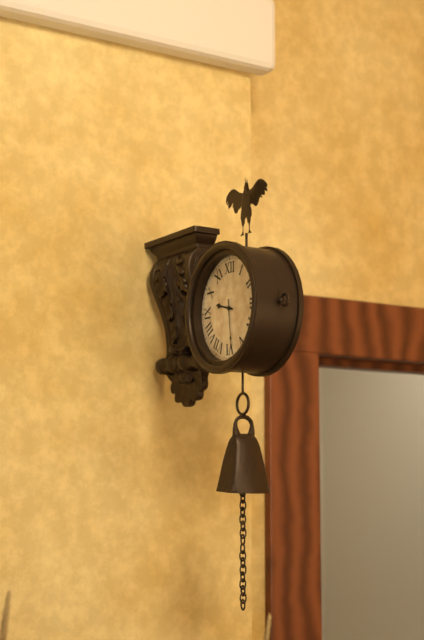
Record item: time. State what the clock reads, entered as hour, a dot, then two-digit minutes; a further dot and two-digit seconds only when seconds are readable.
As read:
9.29
